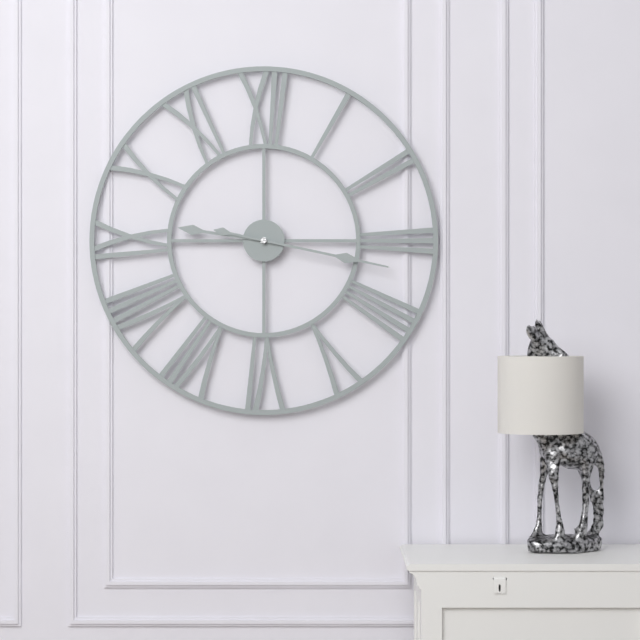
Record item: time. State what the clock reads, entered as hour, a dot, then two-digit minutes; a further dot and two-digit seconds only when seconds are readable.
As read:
9.17
